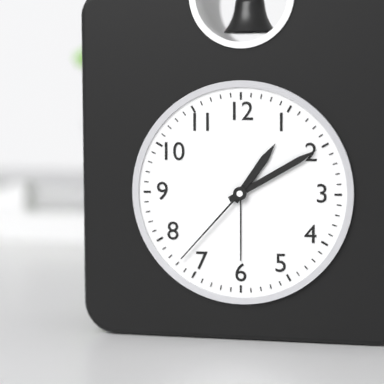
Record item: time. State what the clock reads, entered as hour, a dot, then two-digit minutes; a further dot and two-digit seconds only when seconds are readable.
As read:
1.10.37
